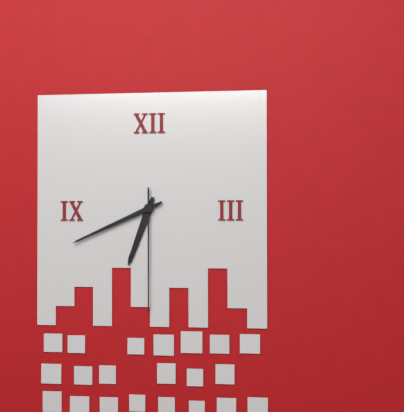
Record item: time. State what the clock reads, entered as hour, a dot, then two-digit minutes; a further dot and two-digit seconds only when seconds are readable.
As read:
6.41.30
